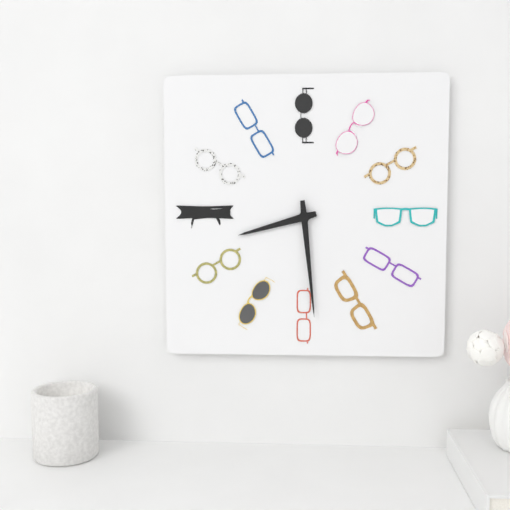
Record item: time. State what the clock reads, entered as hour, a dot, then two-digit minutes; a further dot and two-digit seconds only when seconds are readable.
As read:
8.29
